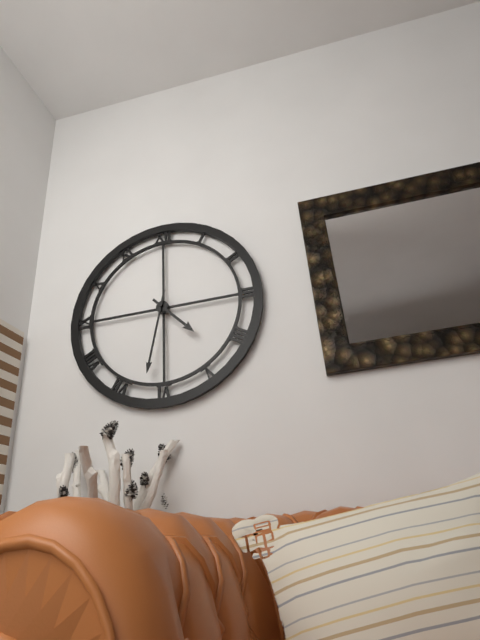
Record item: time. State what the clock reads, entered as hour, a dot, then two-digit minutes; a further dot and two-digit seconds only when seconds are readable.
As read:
4.32
